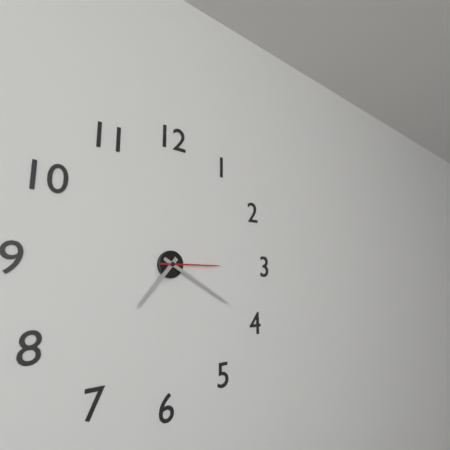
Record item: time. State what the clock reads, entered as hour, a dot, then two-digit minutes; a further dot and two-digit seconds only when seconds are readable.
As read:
7.20.15
